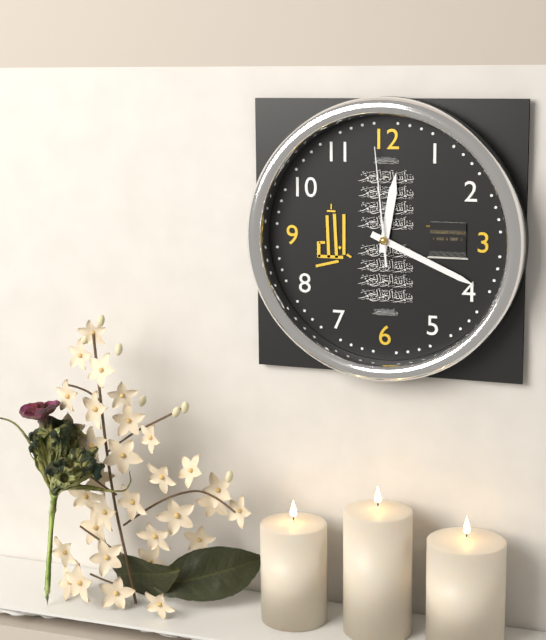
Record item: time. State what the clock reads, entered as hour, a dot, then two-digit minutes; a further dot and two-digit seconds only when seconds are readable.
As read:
12.19.59
